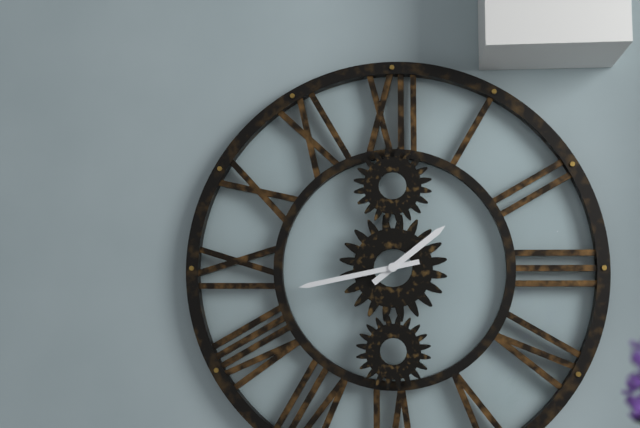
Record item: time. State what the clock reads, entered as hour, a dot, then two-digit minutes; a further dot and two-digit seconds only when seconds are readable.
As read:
1.43
